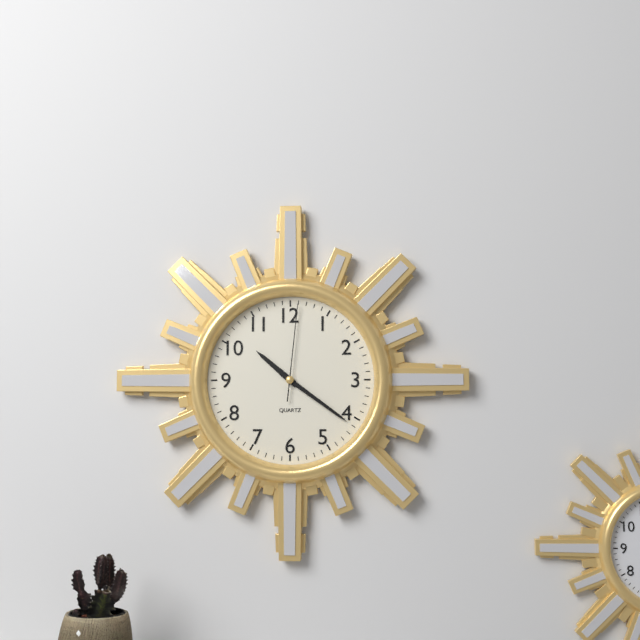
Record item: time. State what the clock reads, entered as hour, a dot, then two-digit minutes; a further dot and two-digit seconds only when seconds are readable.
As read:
10.21.01
